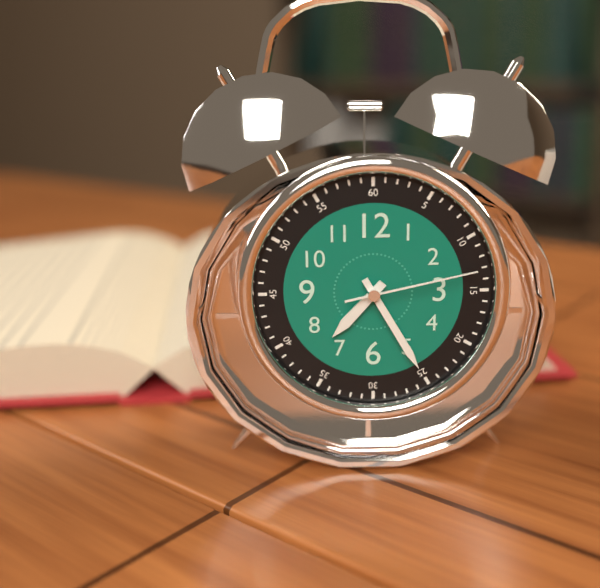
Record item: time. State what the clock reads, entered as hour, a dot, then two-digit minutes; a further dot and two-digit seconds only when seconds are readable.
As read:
7.25.13
